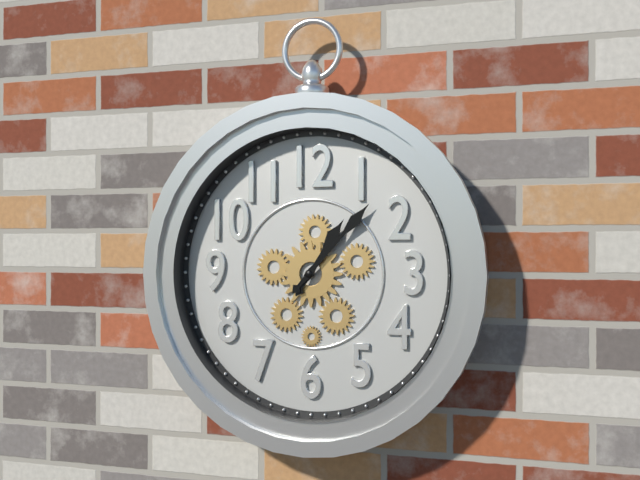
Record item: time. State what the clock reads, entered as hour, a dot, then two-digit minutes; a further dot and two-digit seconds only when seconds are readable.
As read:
1.07
